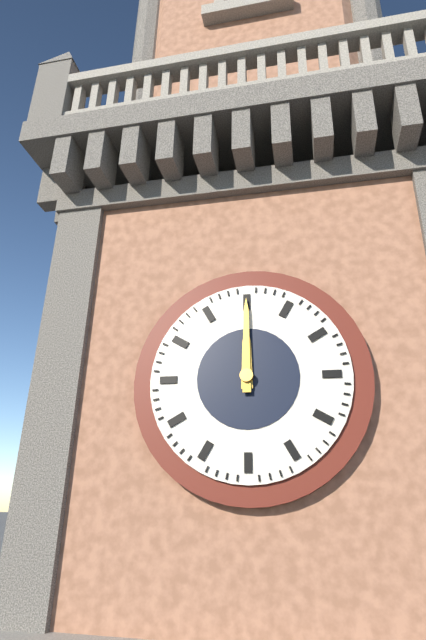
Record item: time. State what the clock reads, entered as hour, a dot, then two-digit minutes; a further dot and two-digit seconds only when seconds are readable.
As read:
12.00
